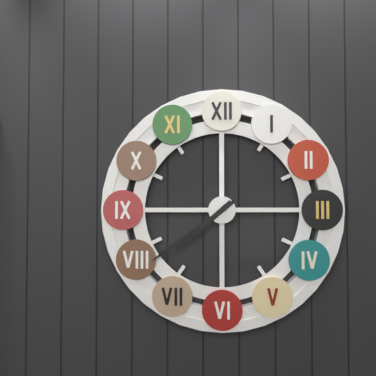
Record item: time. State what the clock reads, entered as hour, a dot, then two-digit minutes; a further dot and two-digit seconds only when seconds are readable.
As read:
7.39
